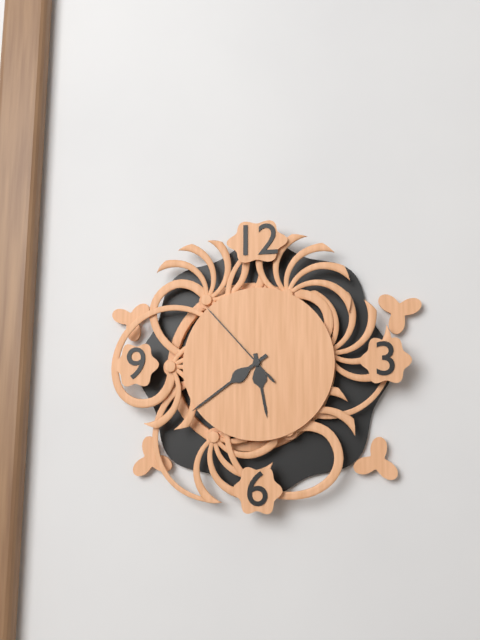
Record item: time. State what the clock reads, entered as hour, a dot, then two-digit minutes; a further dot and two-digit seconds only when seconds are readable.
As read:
5.39.53
